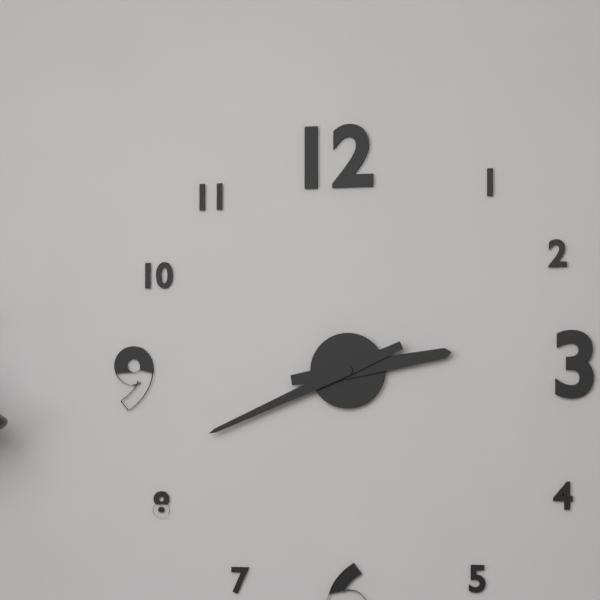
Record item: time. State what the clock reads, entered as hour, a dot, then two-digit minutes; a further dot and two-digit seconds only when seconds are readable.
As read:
2.41
